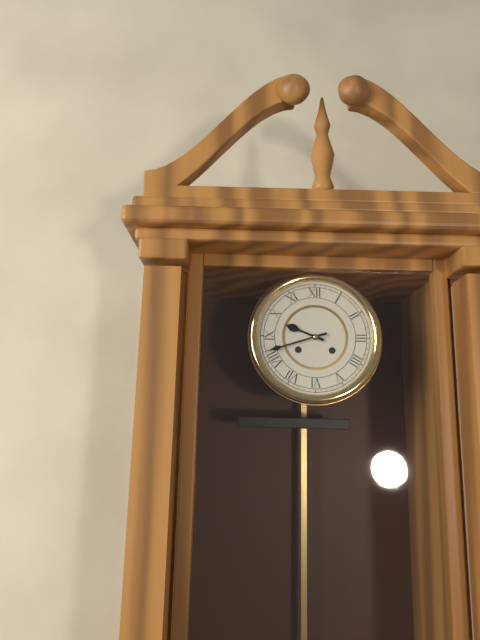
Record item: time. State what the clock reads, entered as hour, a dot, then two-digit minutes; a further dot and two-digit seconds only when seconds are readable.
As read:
9.42
